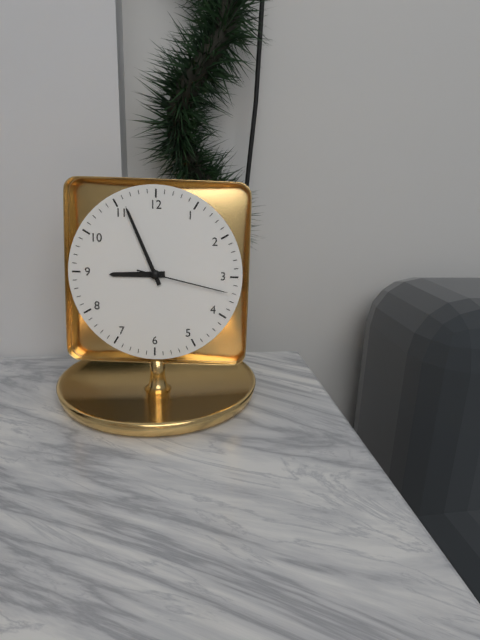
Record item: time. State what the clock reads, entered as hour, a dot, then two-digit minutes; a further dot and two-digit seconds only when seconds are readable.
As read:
8.56.17
